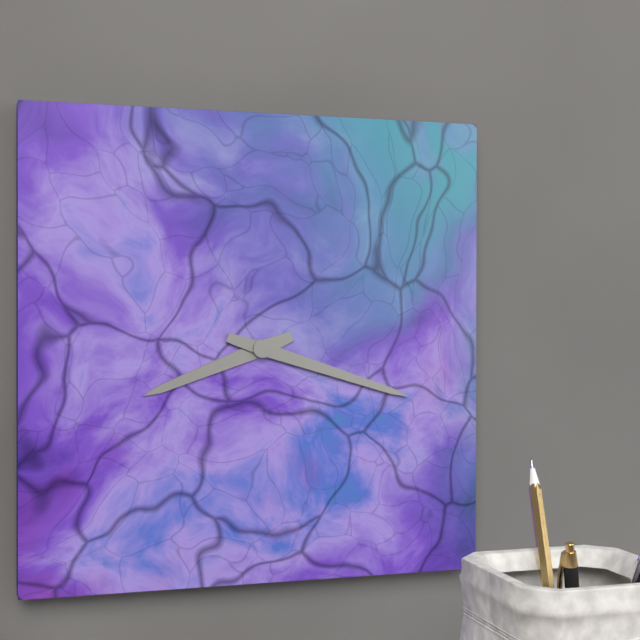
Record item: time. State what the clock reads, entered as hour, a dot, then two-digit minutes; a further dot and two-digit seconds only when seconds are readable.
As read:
8.18
